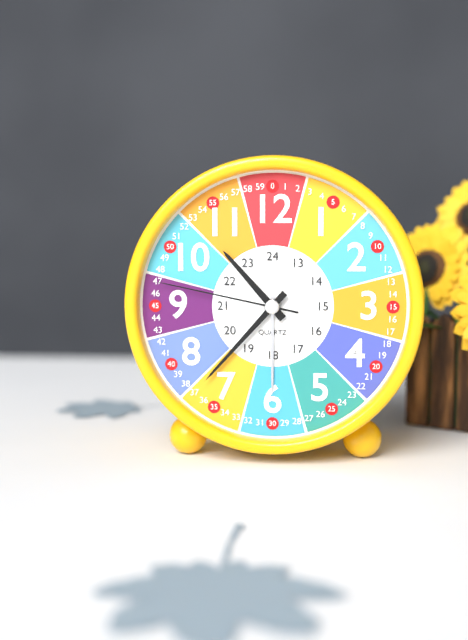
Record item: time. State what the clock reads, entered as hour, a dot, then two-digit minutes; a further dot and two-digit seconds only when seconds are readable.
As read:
10.37.47
